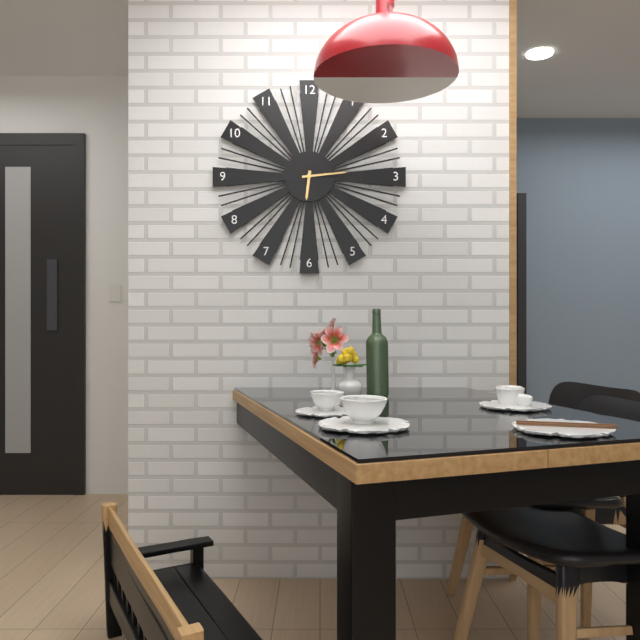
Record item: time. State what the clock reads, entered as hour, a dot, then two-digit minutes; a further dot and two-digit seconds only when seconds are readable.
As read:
6.14
